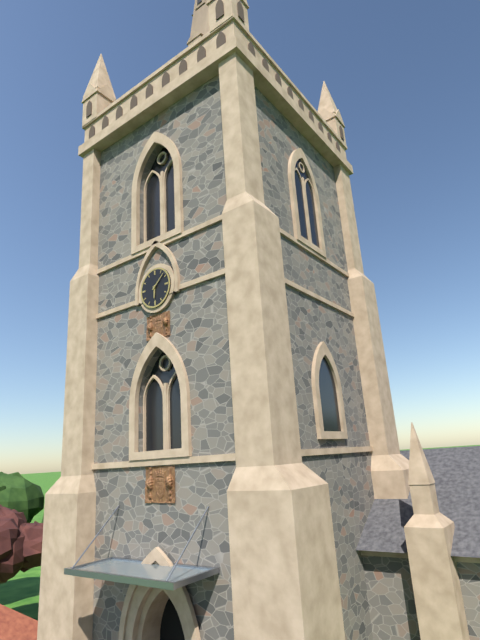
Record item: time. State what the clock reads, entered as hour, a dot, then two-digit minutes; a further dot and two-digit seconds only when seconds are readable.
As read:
6.08
